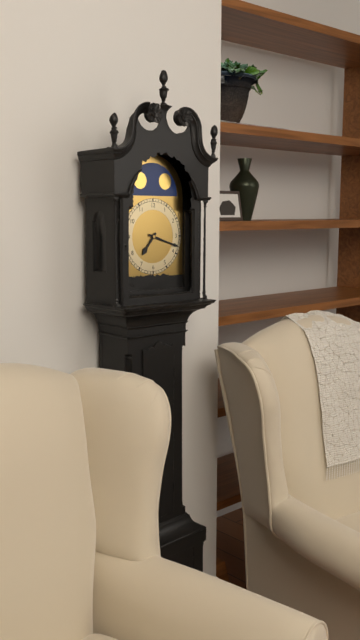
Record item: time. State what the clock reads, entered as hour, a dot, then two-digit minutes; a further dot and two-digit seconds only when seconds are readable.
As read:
7.18
